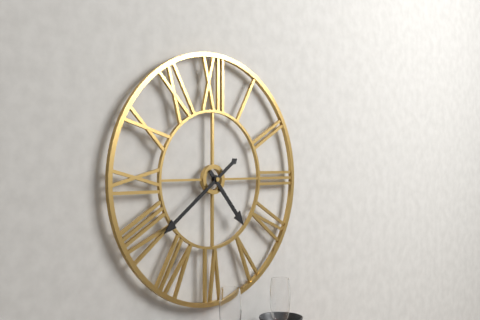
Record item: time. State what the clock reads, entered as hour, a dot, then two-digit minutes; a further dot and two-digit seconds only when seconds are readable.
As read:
4.39
